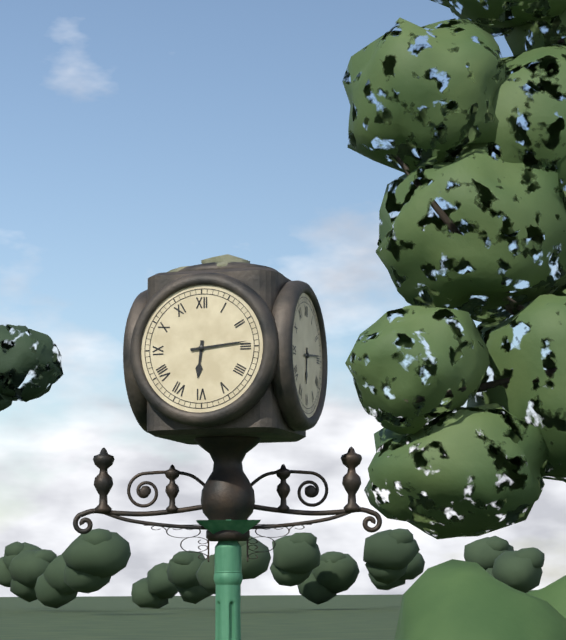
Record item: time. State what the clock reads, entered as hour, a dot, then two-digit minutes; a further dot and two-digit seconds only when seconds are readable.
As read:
6.14
